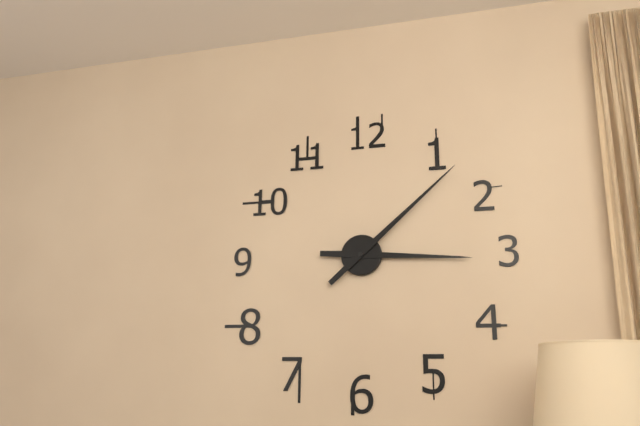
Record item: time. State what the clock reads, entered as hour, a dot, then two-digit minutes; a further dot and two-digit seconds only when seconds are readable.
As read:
3.08
